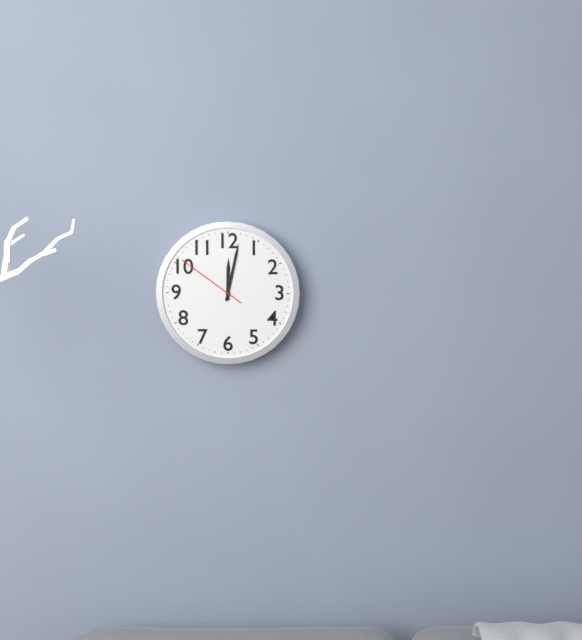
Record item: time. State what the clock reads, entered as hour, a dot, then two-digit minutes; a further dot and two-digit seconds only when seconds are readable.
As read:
12.02.51
